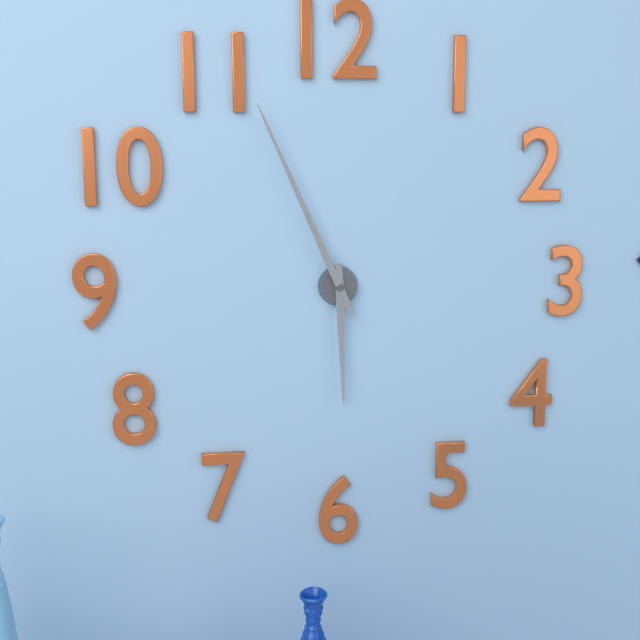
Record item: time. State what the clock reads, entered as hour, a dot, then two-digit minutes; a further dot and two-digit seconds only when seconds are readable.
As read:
5.56
